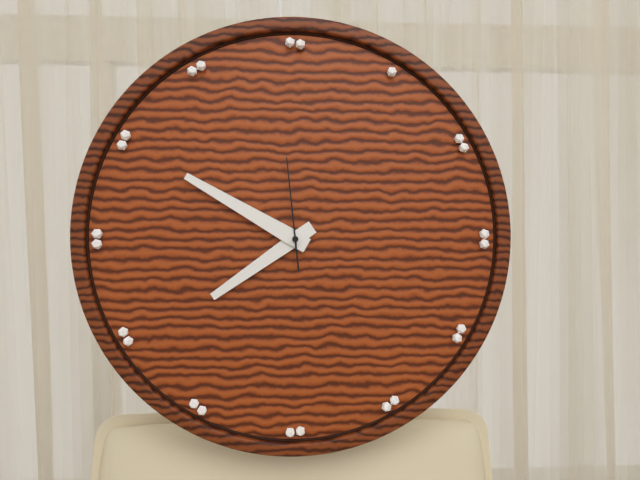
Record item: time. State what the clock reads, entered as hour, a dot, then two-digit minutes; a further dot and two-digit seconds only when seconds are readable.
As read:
7.50.59
